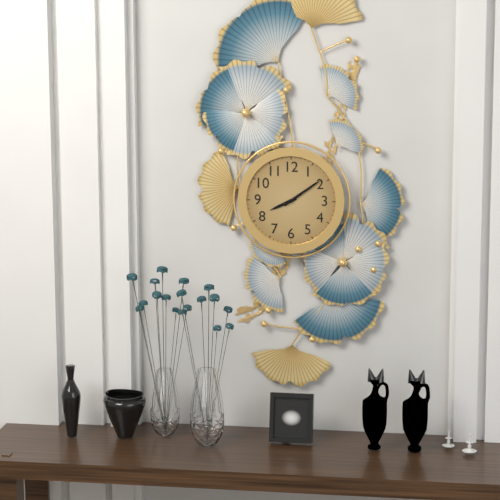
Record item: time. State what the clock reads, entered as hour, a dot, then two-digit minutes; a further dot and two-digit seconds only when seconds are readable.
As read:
8.09
